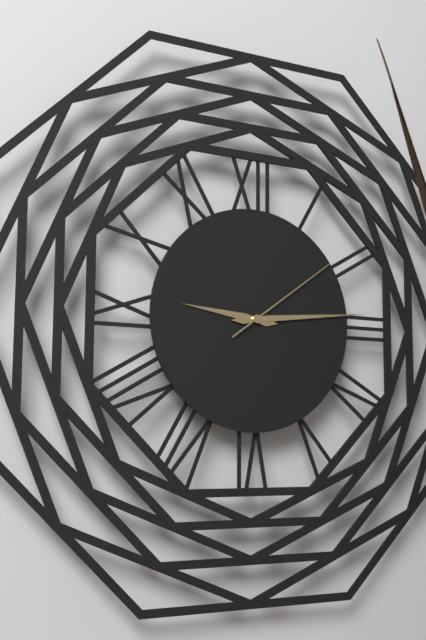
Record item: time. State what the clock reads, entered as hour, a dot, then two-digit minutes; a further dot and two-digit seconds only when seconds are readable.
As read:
9.14.09
